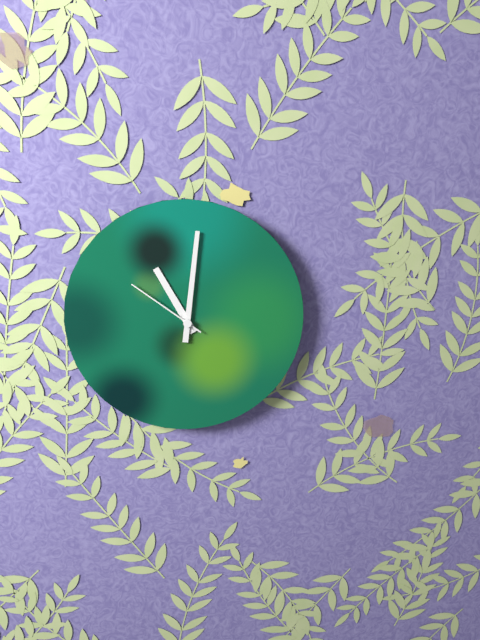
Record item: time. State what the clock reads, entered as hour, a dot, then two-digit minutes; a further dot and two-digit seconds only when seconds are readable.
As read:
11.01.51
